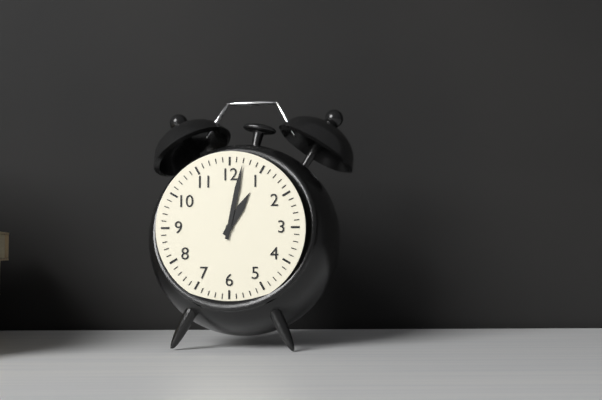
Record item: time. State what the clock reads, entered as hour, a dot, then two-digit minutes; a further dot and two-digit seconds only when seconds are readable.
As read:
1.02
